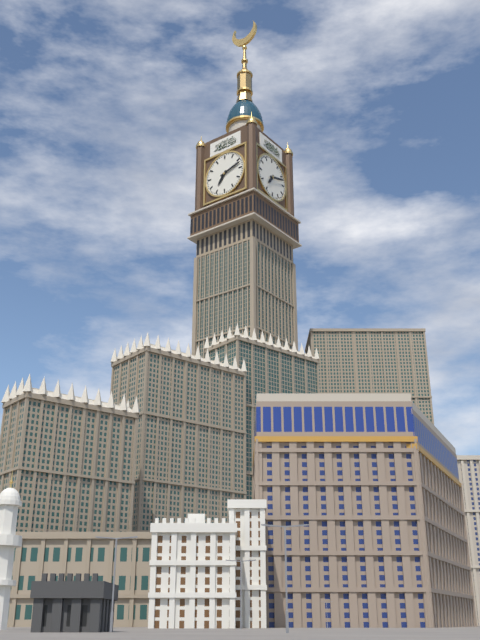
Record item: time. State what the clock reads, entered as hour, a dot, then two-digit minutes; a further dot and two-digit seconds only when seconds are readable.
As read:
7.12
